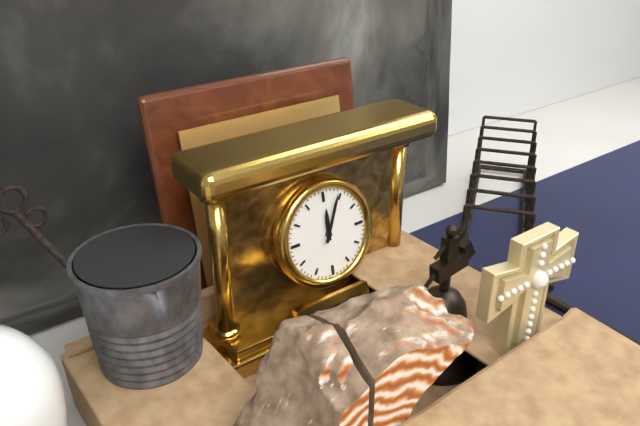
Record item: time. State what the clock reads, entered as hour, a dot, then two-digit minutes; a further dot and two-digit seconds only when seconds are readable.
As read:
12.04
